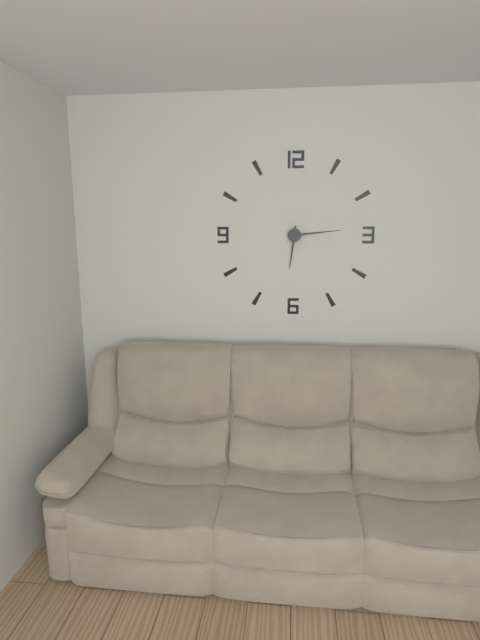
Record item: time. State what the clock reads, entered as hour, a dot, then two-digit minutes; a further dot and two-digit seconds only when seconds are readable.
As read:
6.14
